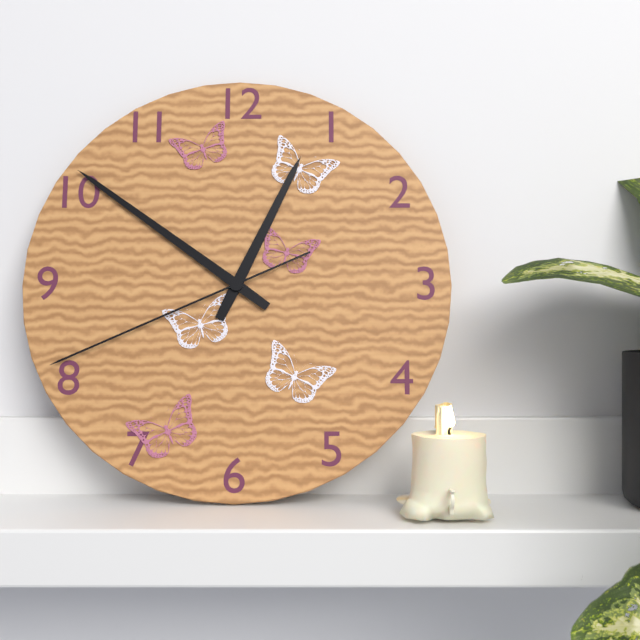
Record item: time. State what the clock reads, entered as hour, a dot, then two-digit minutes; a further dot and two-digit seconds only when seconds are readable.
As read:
12.51.41
